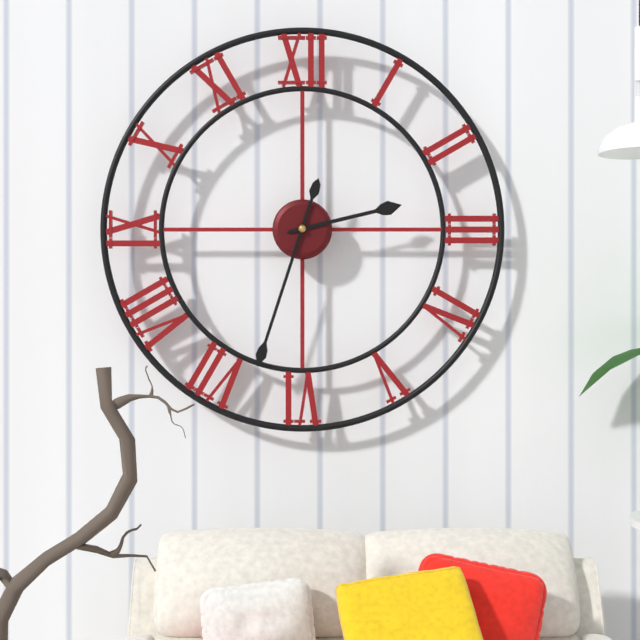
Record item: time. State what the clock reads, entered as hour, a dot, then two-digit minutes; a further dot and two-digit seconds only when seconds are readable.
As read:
2.33
